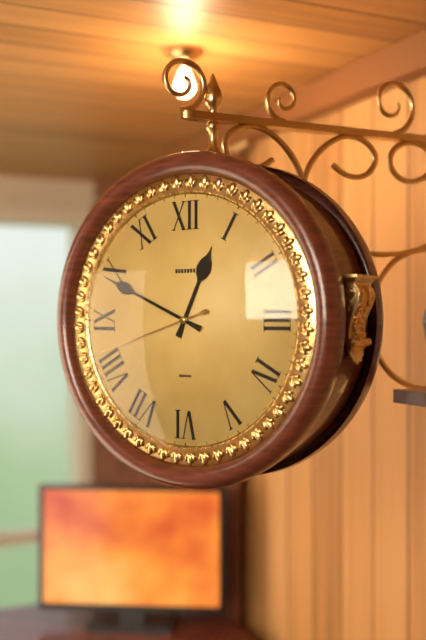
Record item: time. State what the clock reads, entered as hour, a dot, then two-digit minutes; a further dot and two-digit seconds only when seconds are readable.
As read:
12.49.42
